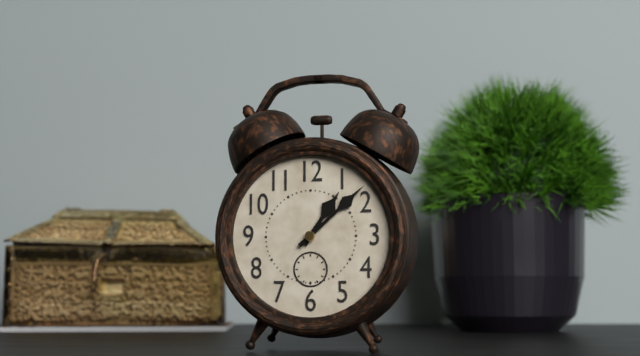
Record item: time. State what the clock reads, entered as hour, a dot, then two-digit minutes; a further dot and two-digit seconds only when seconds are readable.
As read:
1.08
